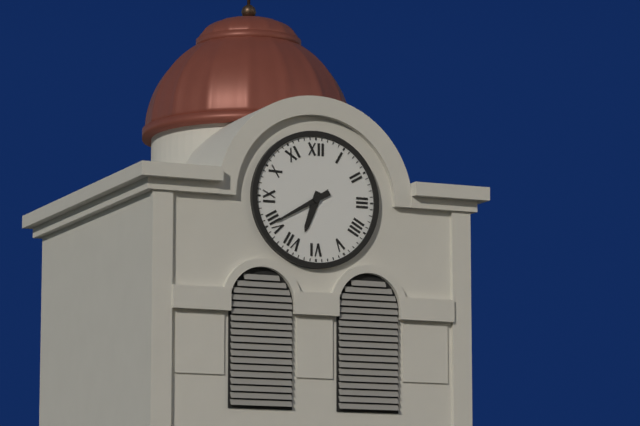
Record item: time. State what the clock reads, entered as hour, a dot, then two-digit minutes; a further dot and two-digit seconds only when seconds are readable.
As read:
6.40
